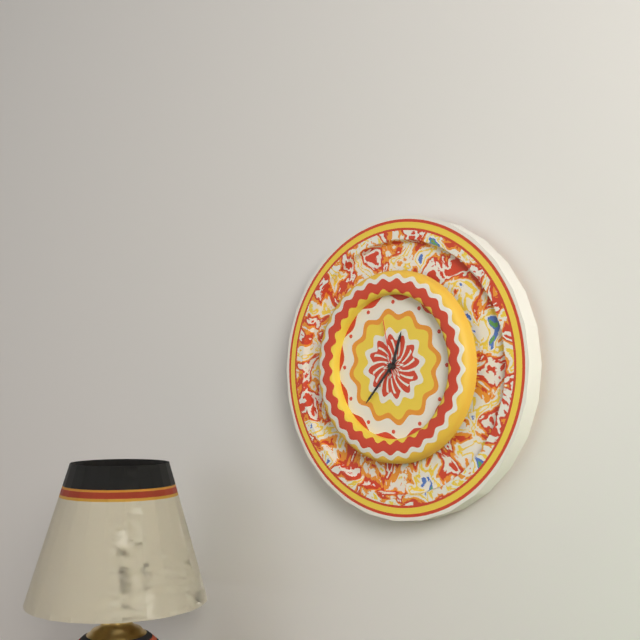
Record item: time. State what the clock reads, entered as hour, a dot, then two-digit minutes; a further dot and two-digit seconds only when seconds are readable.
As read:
12.37.58
